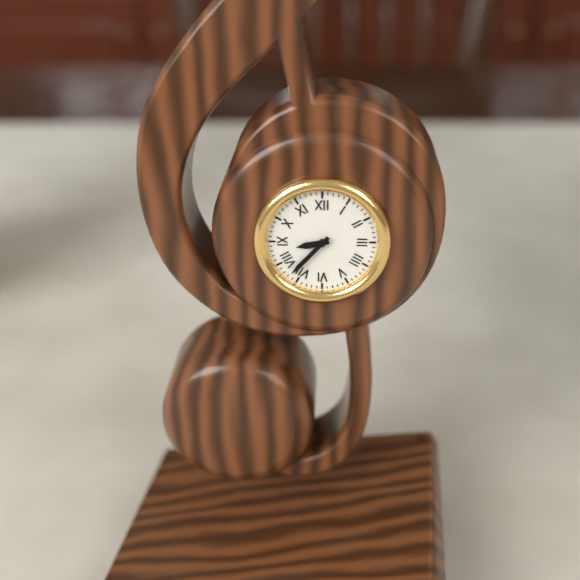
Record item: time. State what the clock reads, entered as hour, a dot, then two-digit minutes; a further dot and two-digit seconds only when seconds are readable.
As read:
8.37
